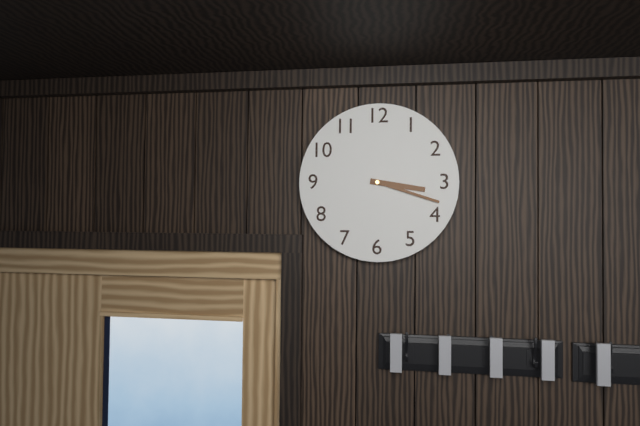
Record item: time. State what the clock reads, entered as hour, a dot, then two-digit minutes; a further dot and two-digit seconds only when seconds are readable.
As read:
3.18
